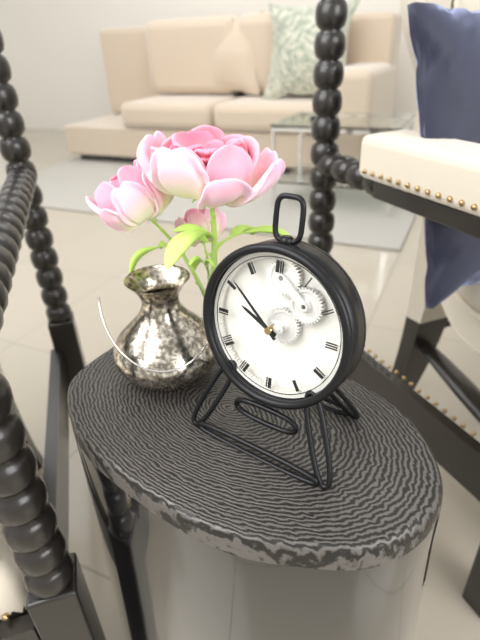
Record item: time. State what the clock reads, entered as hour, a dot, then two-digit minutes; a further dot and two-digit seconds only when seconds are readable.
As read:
9.52
